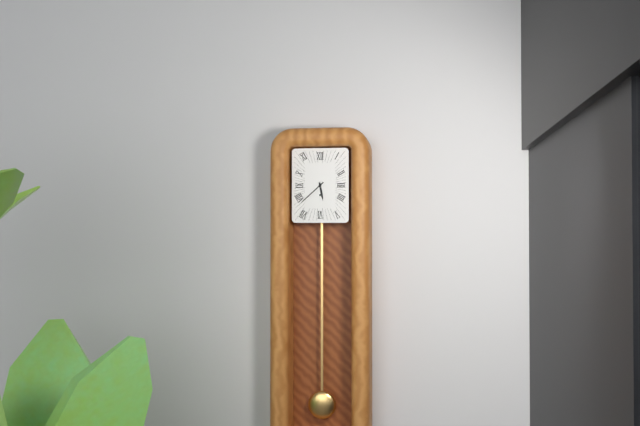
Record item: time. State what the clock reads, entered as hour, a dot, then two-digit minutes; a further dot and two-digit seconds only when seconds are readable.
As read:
5.38
